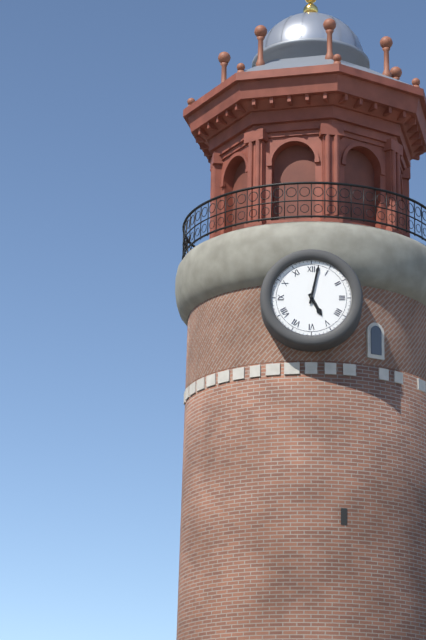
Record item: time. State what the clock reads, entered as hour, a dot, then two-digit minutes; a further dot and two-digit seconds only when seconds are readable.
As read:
5.02
